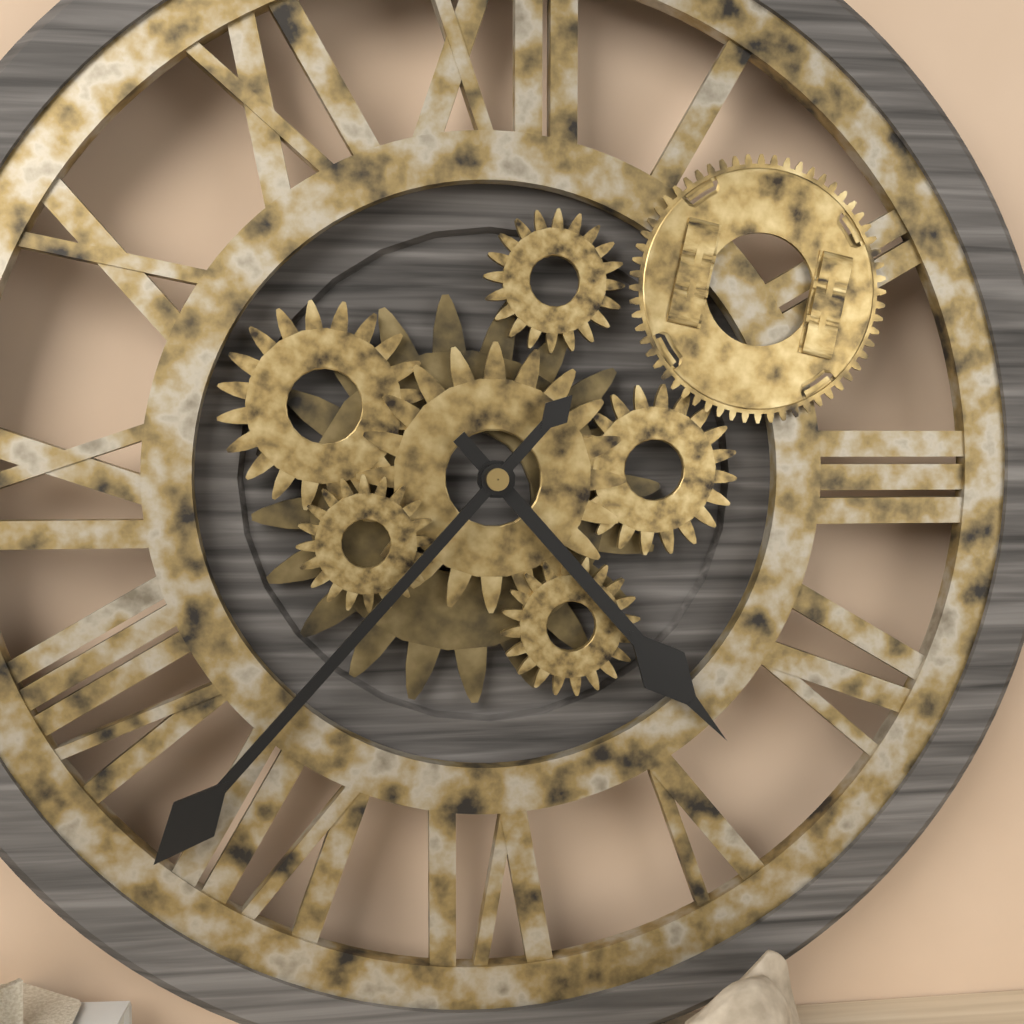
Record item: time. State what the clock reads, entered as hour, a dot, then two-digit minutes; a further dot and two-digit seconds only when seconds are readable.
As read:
4.37
